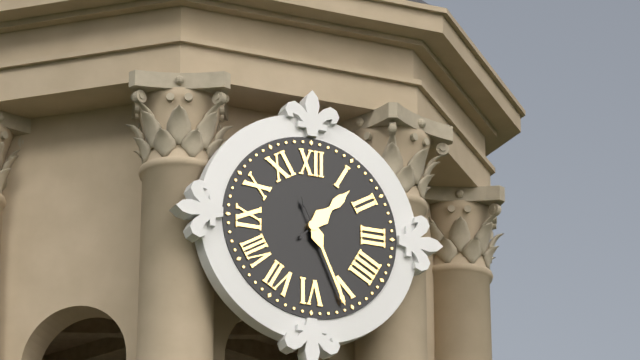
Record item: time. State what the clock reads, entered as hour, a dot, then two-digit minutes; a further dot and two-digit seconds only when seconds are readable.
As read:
1.26
